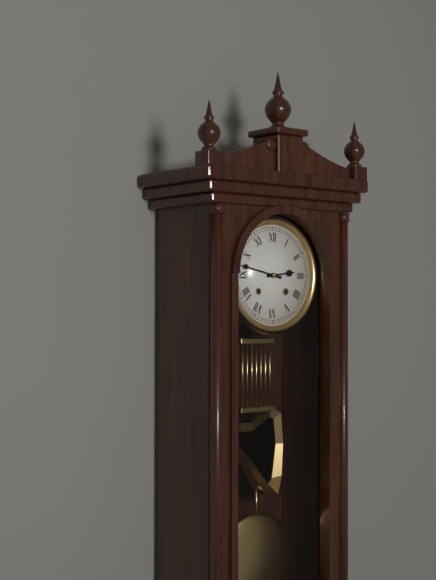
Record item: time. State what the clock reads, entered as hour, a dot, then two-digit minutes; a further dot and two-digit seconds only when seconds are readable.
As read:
2.47
